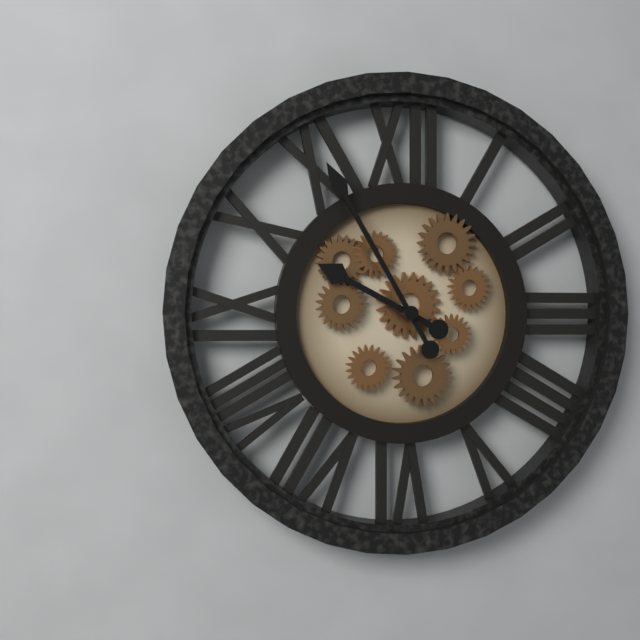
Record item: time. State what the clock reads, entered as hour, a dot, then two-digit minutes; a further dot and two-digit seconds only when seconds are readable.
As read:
9.55
